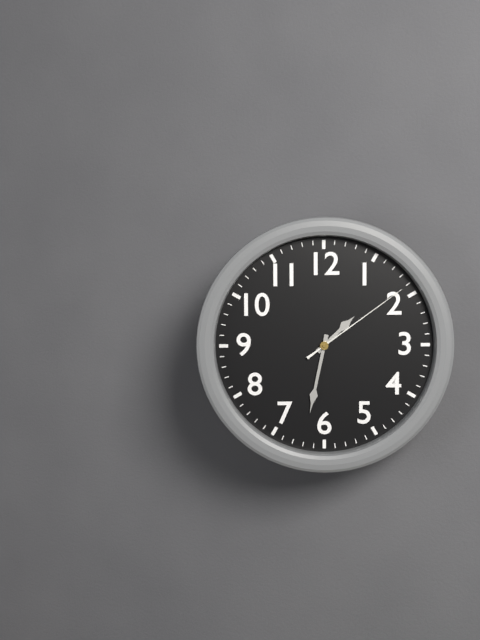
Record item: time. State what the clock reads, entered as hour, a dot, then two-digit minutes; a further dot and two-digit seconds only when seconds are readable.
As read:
1.32.09
